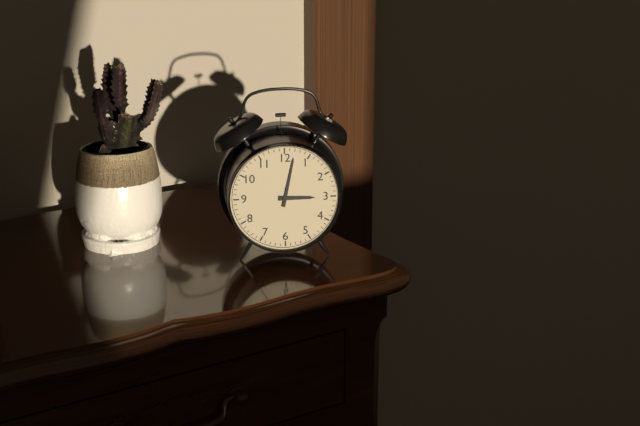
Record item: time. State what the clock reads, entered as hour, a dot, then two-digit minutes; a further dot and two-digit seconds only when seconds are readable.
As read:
3.02
